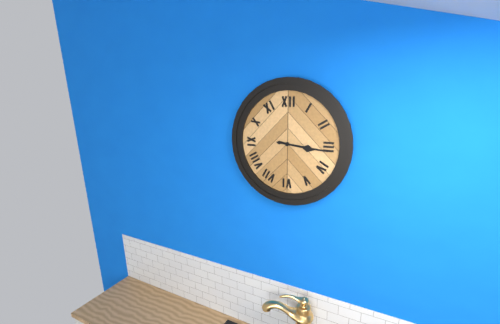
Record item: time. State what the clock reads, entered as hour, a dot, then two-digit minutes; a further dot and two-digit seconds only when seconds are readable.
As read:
3.16
